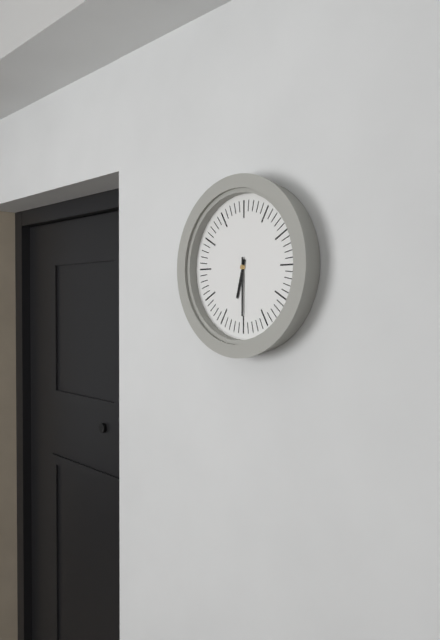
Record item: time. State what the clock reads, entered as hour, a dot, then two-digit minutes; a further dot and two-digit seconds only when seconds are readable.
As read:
6.30
